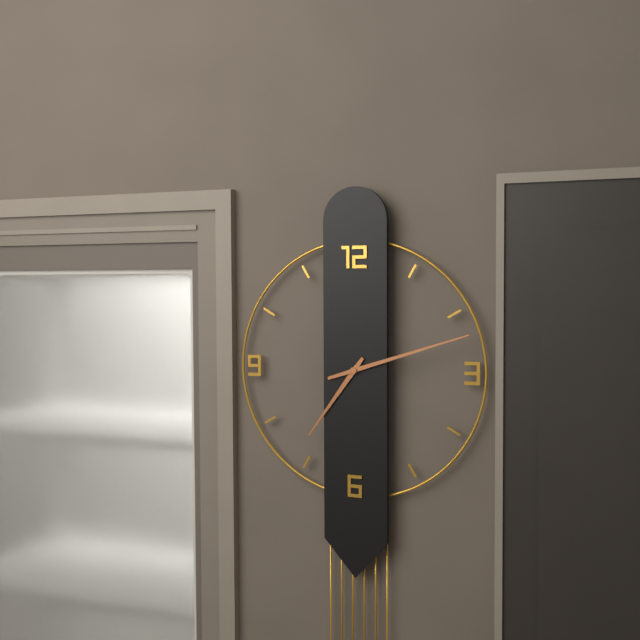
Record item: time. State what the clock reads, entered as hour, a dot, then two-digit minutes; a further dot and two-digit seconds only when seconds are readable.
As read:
7.12
